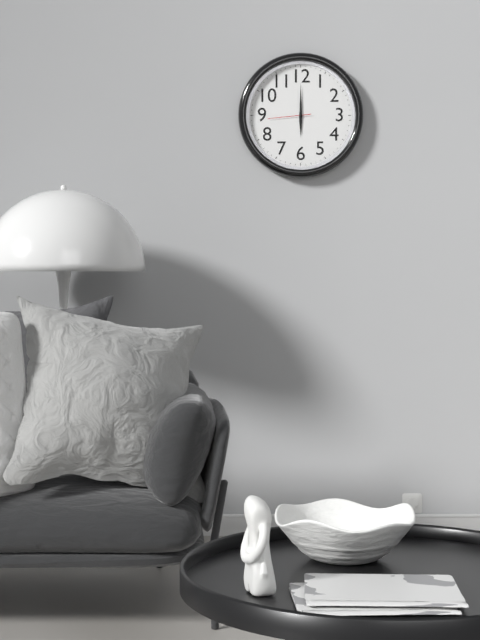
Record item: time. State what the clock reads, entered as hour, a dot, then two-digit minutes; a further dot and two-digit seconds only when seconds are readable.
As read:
6.00
